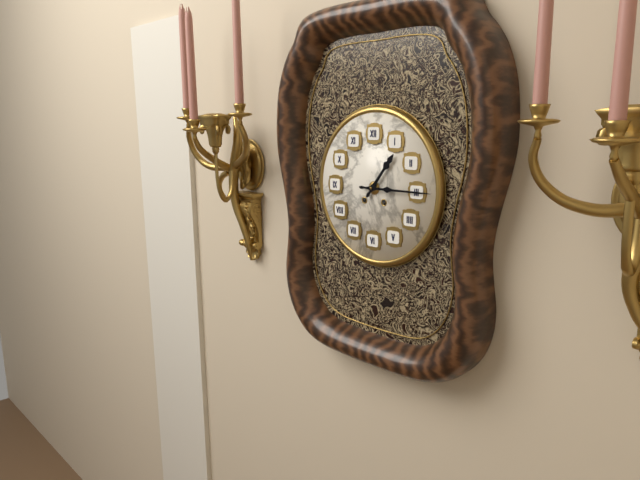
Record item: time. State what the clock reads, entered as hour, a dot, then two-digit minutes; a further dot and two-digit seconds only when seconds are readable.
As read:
1.15
